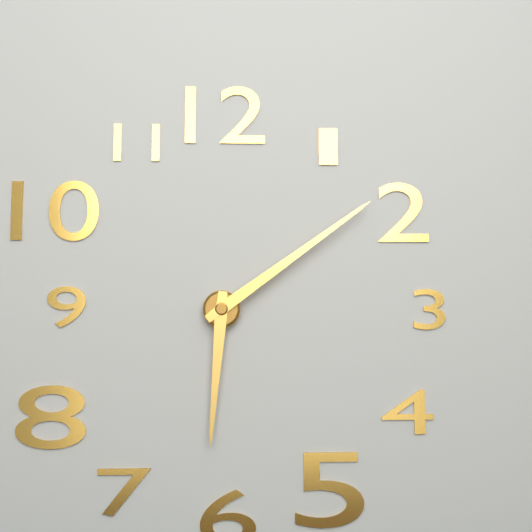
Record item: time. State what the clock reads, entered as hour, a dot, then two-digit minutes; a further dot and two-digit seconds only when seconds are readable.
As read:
6.09
